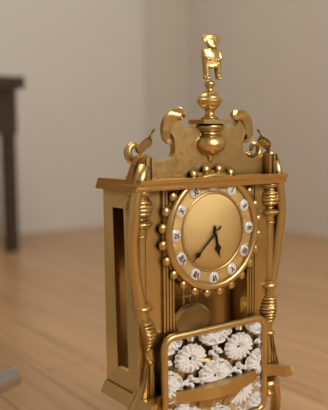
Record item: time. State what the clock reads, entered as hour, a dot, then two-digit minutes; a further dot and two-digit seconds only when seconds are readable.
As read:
5.38
